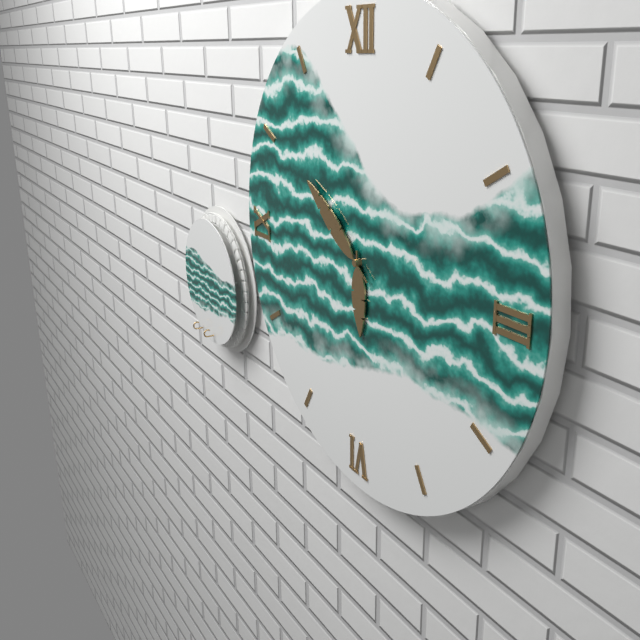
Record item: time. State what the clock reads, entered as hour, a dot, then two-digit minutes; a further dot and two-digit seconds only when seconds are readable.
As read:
5.51
